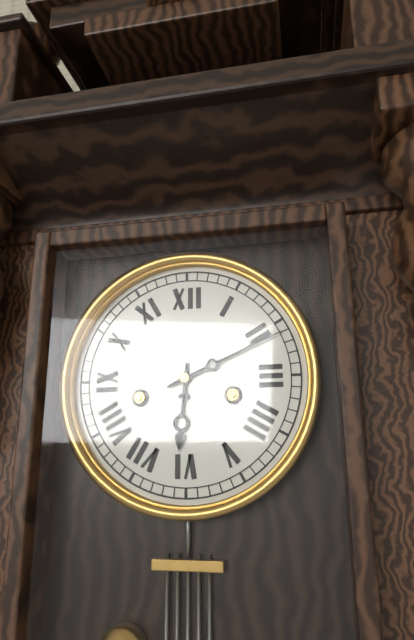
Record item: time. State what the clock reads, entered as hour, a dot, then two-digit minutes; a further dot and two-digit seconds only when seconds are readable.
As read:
6.11
